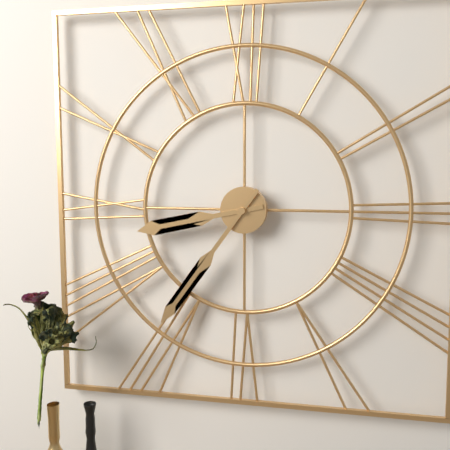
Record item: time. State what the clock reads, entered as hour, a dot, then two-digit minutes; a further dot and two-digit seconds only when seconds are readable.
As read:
8.36
